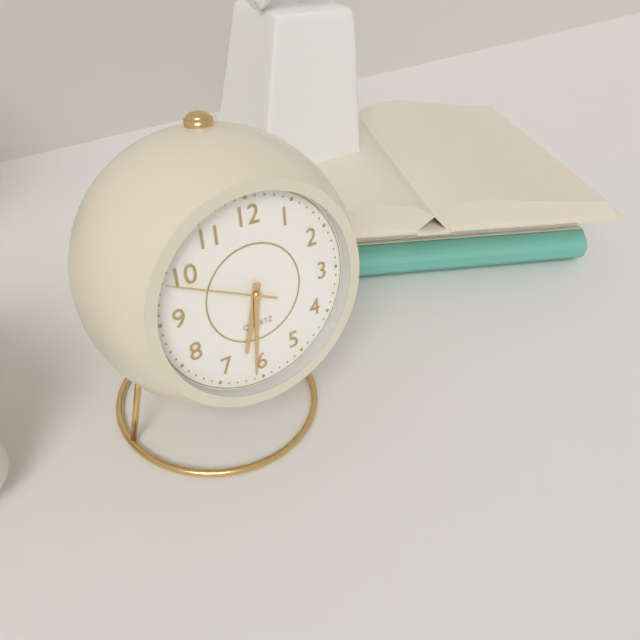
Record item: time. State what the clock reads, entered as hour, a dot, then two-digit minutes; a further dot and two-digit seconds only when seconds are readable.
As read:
6.31.49
